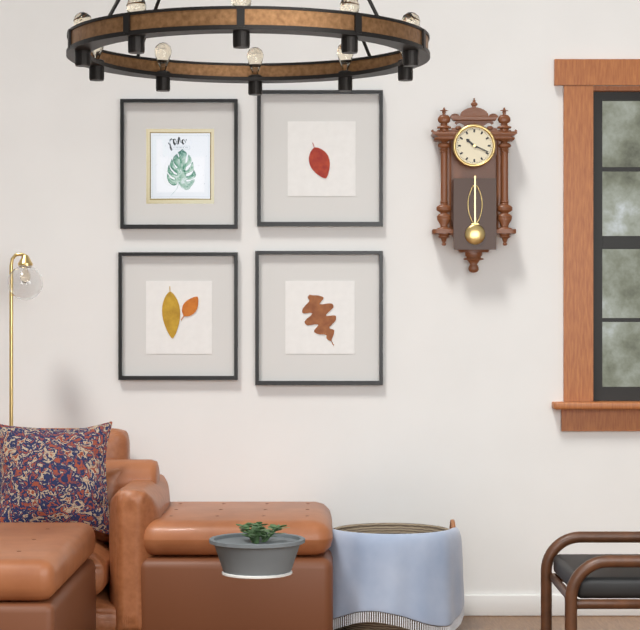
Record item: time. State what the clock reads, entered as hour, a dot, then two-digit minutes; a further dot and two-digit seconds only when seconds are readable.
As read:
10.19
